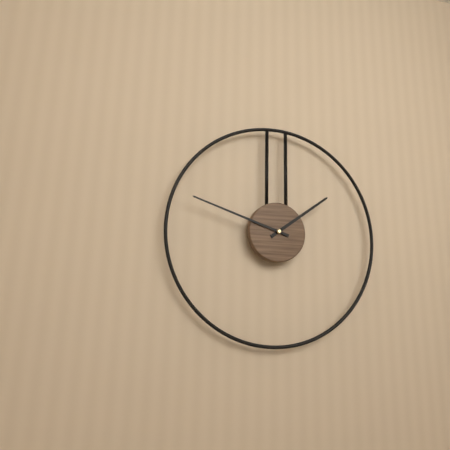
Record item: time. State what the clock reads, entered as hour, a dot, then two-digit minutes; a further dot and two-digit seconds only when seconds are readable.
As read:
1.48
